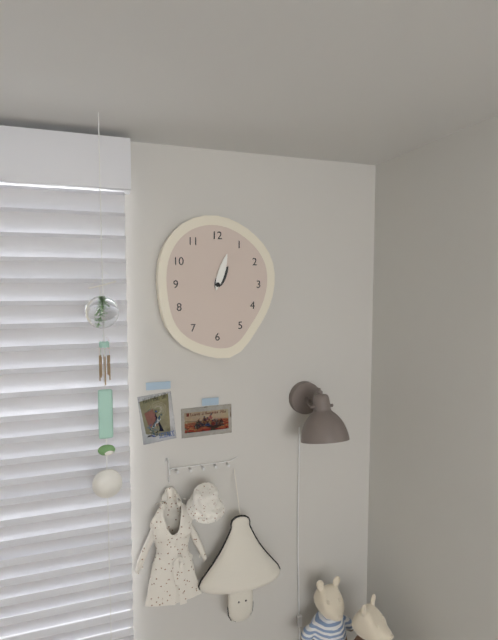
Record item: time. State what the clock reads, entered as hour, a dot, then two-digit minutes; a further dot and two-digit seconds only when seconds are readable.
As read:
1.03
